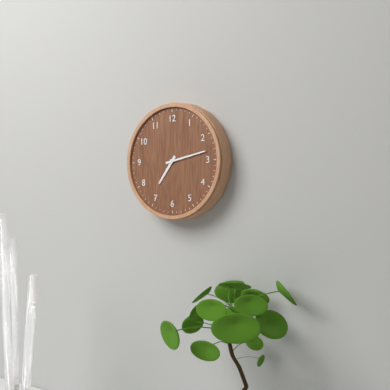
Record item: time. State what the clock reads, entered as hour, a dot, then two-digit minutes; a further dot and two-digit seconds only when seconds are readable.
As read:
7.13
